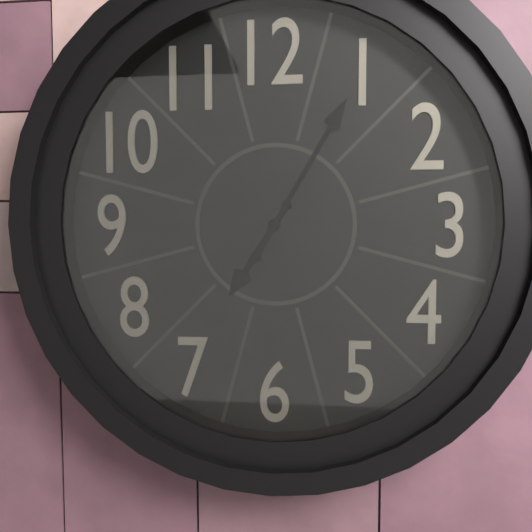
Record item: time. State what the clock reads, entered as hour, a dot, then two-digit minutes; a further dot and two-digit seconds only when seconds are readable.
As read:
7.05
